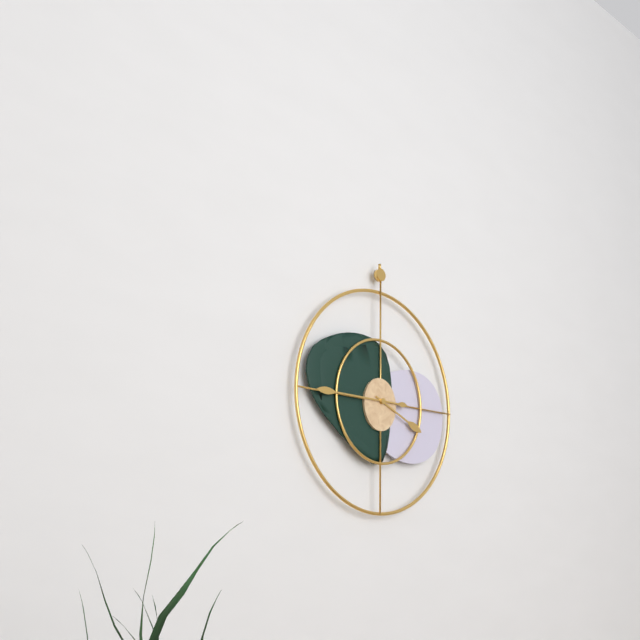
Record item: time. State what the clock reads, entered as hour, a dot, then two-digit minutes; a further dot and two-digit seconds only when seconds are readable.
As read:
3.45
